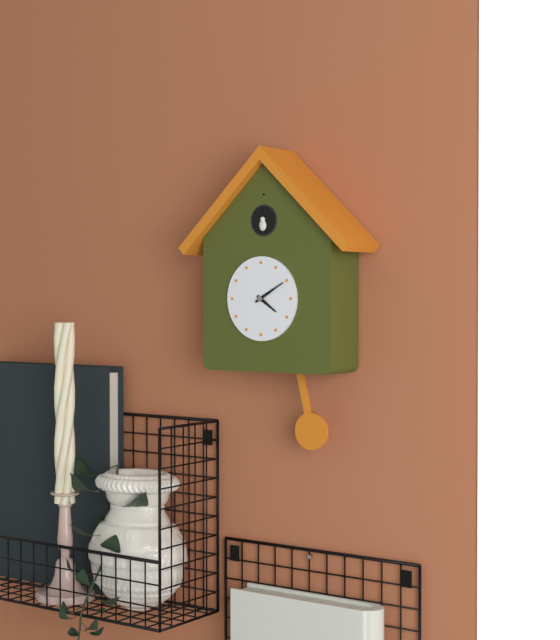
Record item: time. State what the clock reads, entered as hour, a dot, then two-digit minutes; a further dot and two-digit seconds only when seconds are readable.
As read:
4.10
